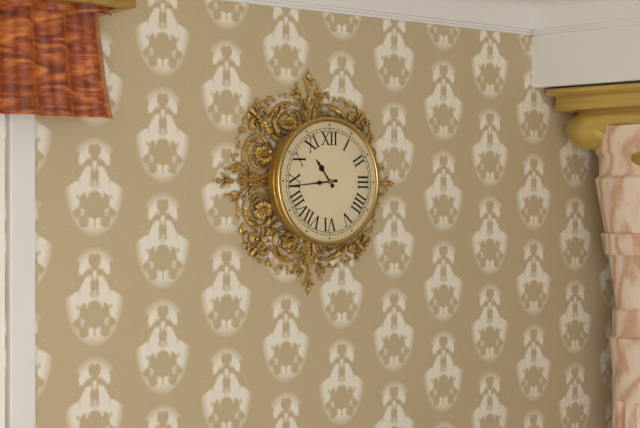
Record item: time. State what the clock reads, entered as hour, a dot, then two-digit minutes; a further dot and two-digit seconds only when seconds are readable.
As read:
10.44
